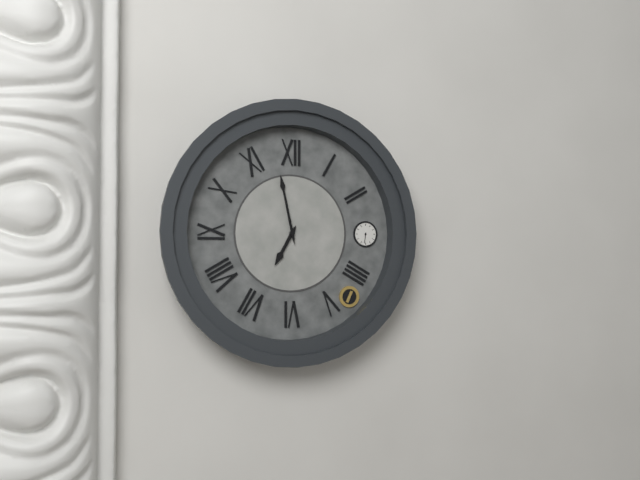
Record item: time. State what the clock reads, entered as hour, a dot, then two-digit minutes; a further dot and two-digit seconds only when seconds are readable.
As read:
6.58
